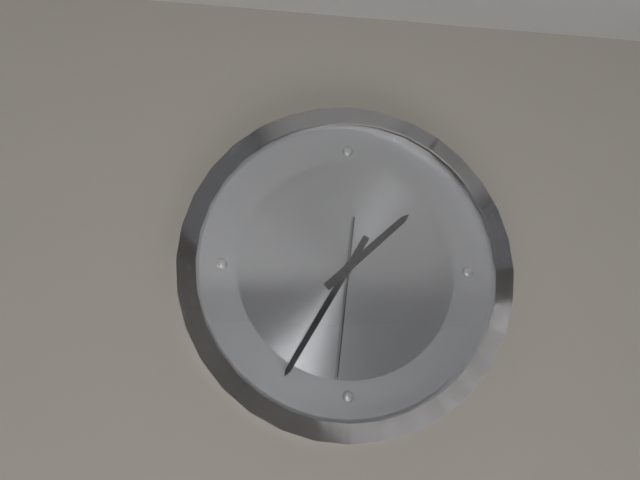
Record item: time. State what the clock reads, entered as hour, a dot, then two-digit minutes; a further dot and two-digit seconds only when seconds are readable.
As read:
1.35.31
